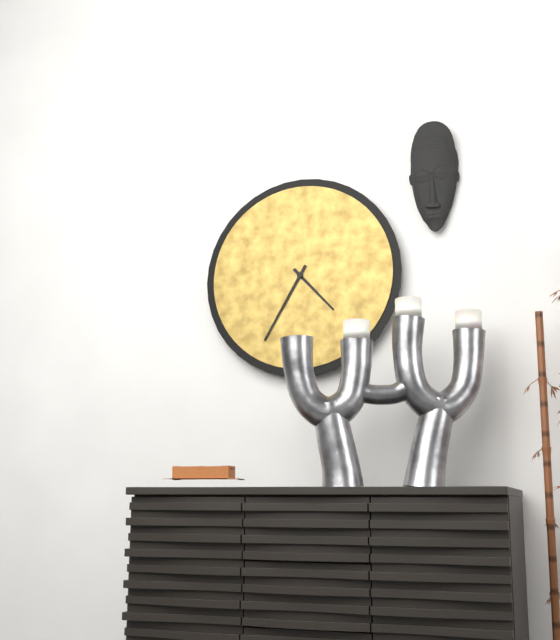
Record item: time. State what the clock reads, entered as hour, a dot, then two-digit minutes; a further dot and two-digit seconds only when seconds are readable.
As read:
4.35
